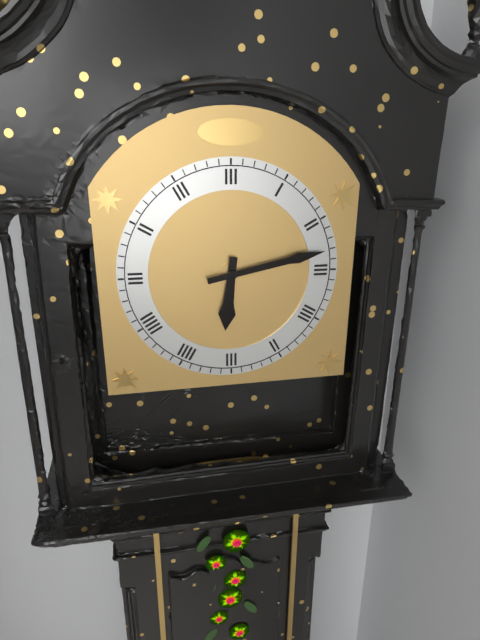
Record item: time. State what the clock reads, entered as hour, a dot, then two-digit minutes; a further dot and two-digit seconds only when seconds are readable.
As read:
6.13
